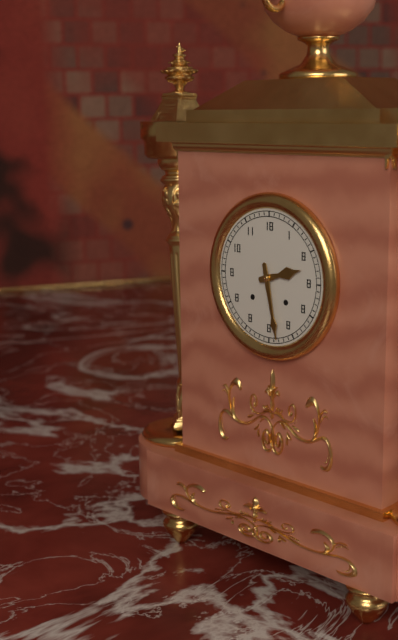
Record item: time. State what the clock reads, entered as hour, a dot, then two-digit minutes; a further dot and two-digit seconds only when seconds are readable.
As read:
2.28
